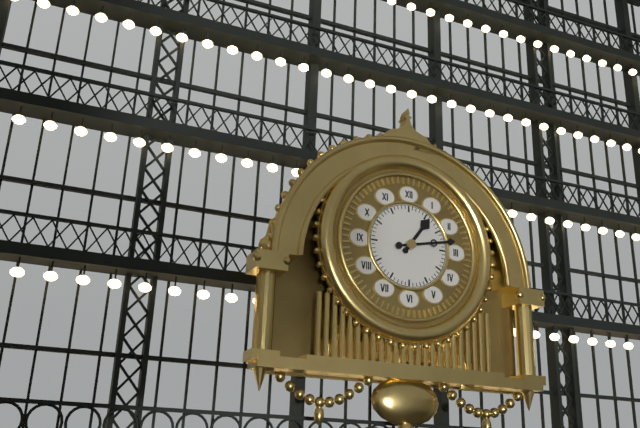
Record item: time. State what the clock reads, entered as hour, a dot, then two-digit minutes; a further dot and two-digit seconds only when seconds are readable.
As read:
1.13
